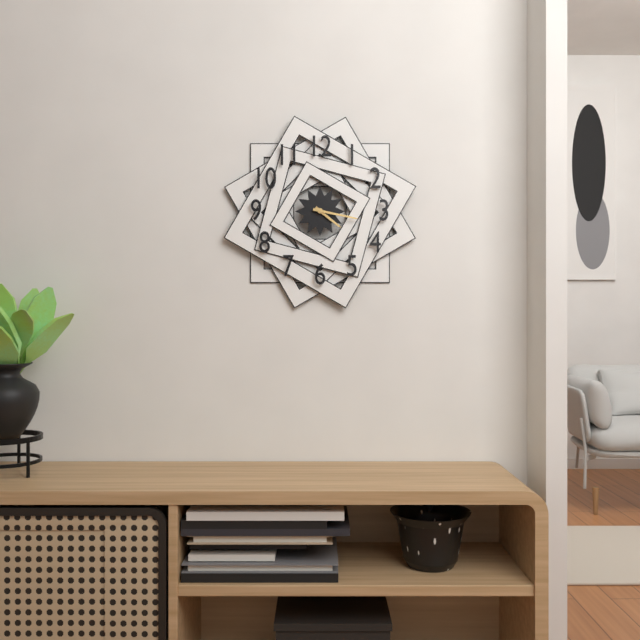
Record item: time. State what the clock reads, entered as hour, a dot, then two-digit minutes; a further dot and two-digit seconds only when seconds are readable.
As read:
4.17
